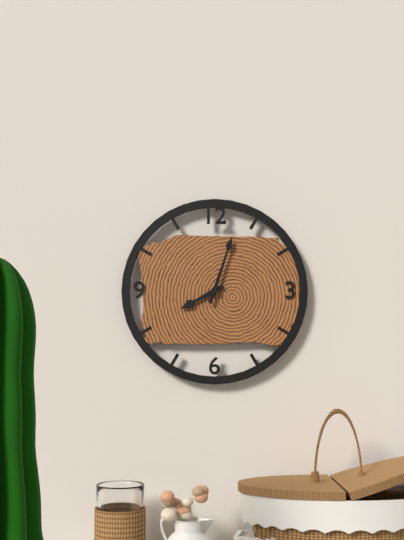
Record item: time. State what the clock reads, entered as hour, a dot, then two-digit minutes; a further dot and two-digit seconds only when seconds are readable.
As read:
8.03
